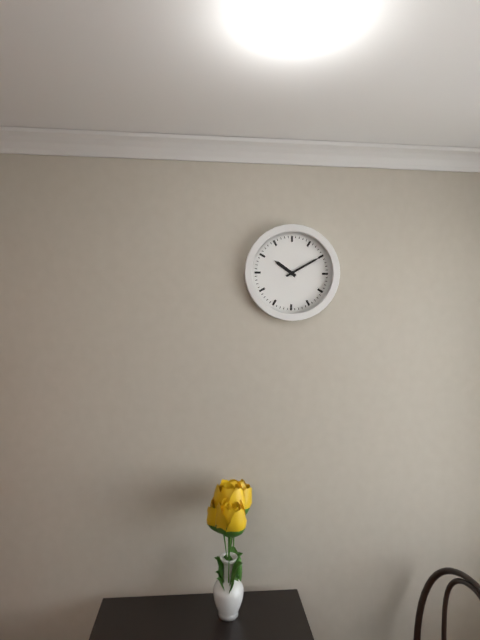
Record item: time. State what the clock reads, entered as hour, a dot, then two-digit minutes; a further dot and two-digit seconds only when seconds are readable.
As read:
10.10
